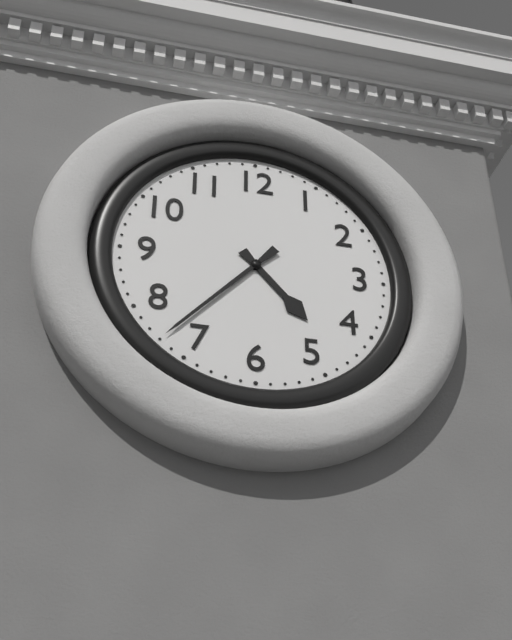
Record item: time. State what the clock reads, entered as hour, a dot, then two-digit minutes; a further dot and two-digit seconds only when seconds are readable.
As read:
4.37
